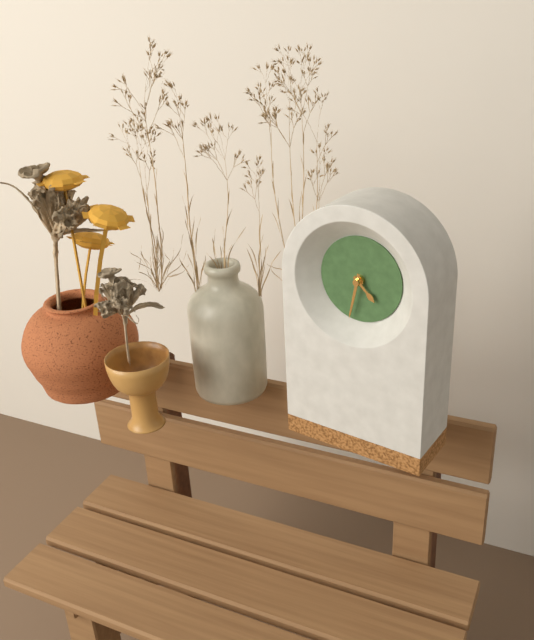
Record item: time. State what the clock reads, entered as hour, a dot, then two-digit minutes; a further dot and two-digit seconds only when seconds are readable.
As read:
4.32
